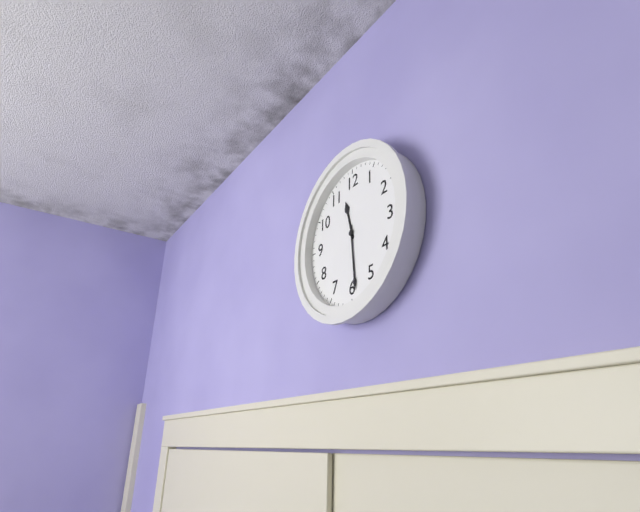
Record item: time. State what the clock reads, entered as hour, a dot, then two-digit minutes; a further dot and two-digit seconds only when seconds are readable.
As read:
11.29
